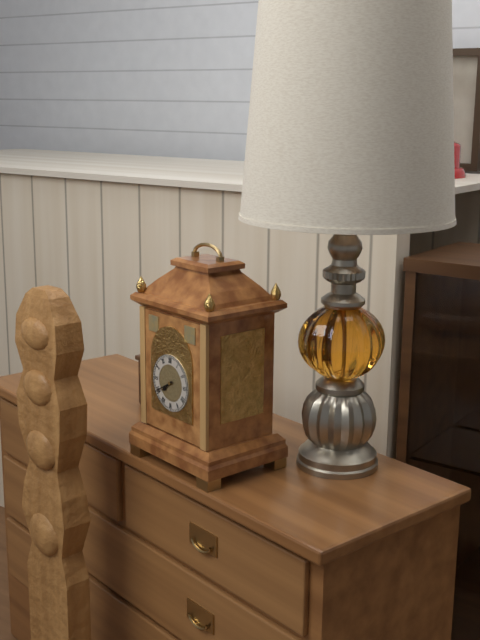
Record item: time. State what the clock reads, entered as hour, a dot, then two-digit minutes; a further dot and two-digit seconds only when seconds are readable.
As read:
7.40
